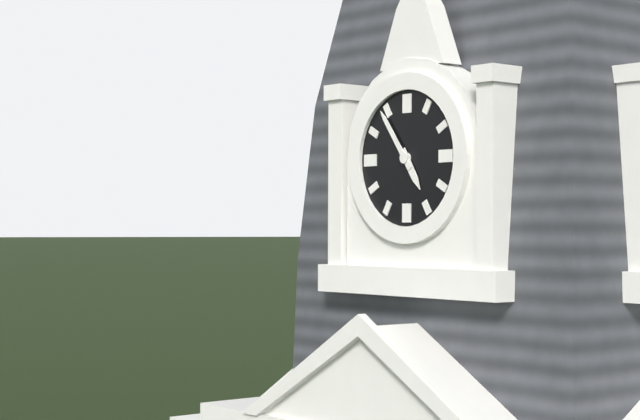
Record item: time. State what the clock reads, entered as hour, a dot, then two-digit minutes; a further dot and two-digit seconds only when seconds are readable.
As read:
4.54
